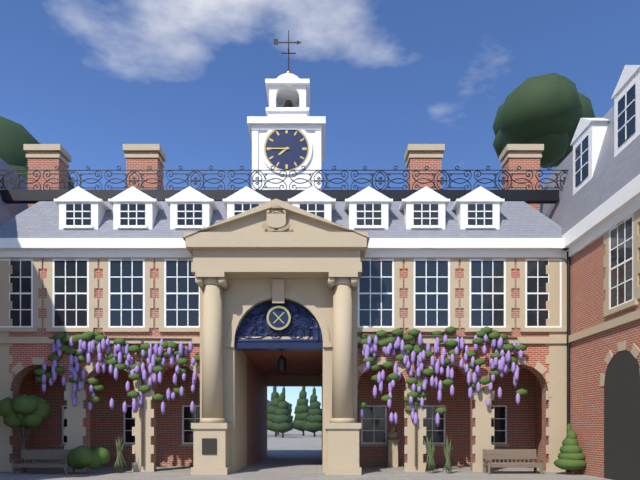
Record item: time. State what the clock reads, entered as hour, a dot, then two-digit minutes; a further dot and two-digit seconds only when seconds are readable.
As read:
7.45
